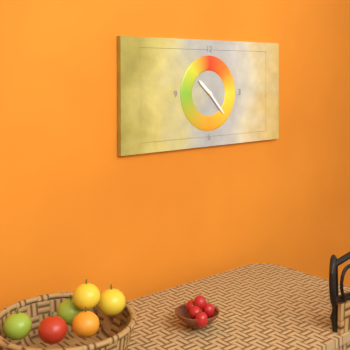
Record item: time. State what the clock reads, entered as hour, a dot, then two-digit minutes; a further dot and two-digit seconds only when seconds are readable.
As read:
10.23
